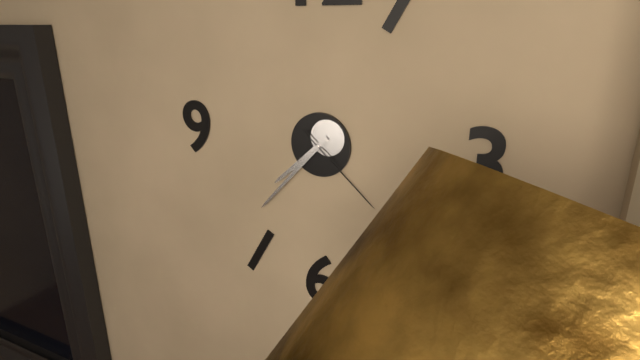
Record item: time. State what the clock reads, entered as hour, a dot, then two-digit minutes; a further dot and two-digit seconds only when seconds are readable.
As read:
7.37.22
